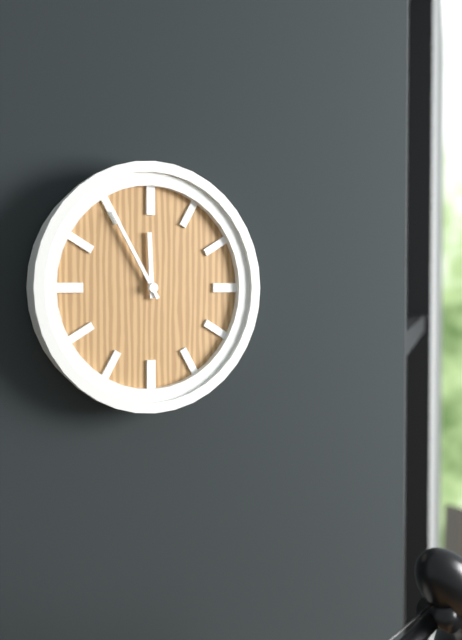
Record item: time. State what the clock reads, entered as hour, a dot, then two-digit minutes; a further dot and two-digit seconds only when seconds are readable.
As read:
11.55
